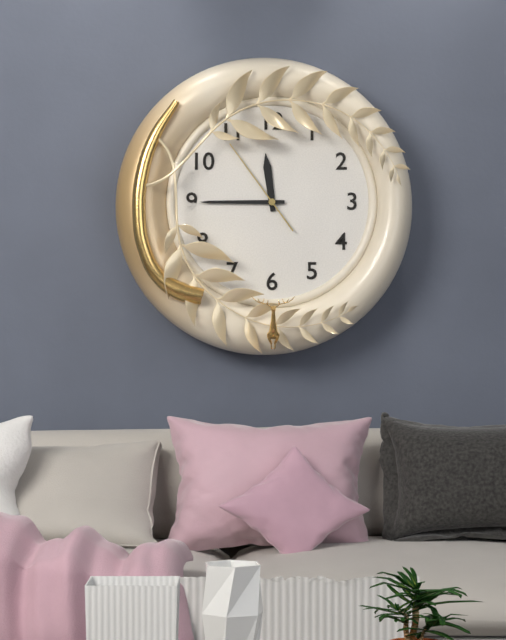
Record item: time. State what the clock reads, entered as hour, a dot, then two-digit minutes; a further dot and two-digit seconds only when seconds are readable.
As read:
11.45.54
